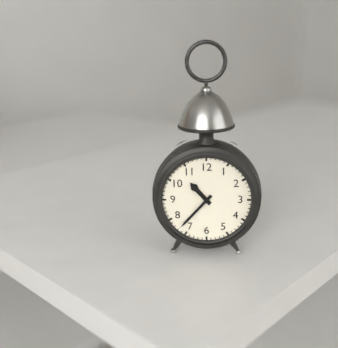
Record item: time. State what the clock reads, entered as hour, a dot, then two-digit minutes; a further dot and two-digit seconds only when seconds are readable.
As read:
10.37
